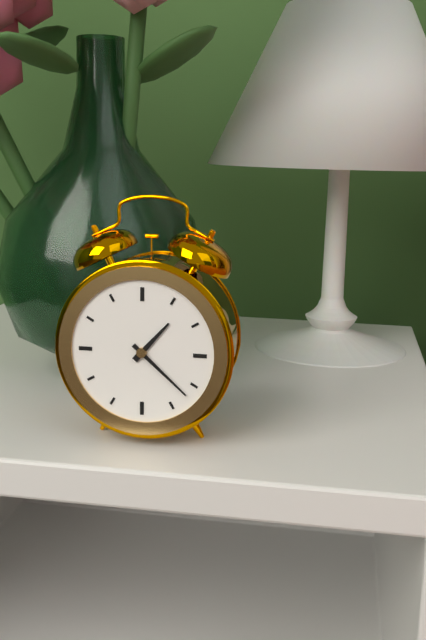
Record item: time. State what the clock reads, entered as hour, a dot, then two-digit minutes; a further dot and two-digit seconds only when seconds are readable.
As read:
1.22
